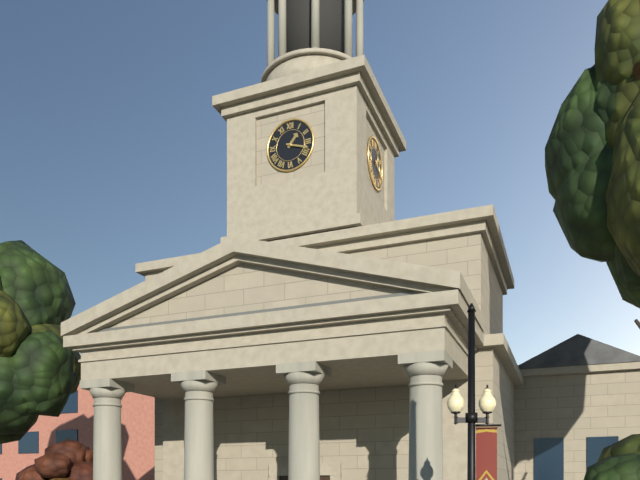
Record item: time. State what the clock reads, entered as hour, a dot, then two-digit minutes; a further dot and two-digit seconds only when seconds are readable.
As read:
1.18
